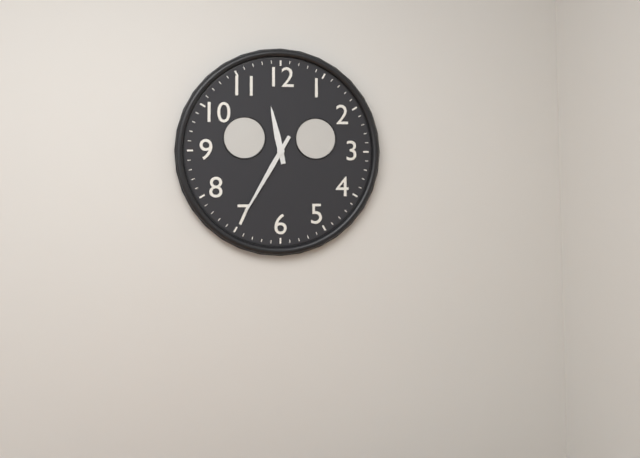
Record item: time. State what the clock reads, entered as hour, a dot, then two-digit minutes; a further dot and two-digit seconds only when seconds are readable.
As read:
11.35
